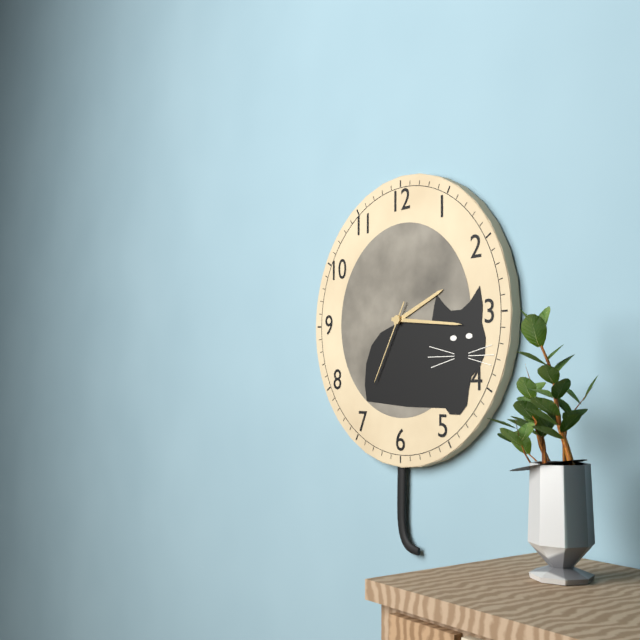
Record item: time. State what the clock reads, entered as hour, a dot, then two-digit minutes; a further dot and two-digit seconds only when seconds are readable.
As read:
2.16.35
